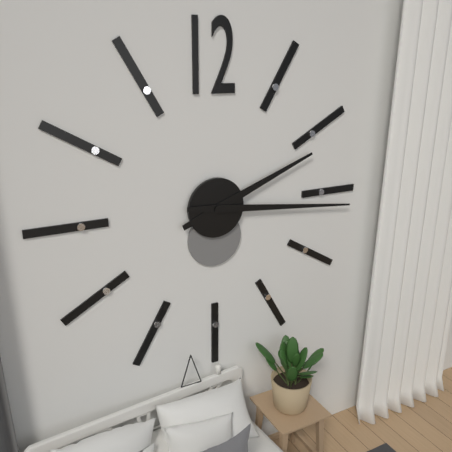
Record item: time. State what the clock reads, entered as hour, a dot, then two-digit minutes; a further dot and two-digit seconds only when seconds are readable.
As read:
2.16
